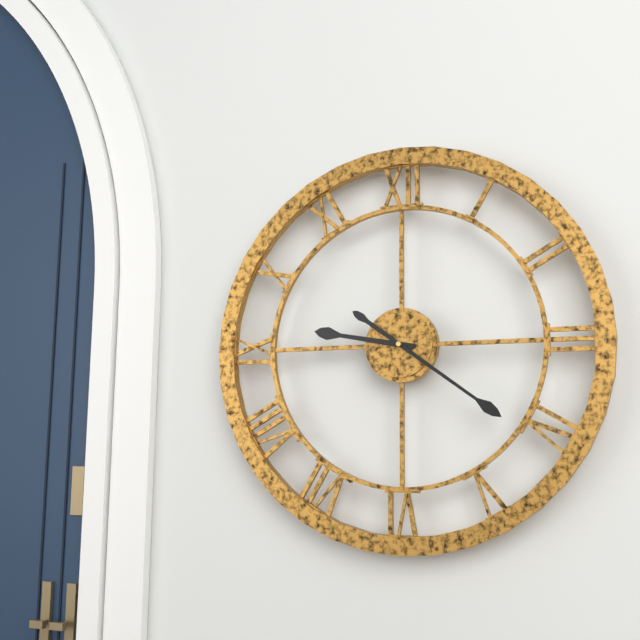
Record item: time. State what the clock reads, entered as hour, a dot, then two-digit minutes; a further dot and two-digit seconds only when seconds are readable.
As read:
9.21
